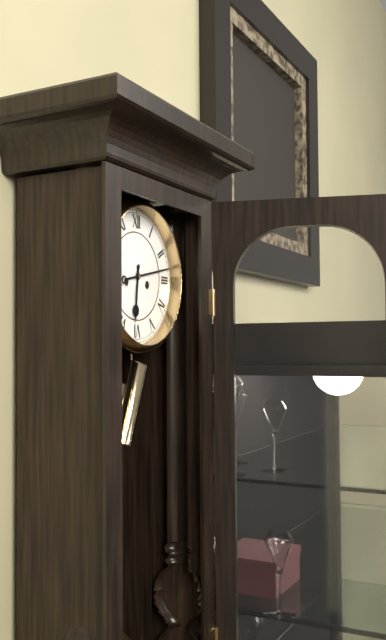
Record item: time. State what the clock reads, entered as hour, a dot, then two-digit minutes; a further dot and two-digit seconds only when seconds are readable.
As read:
6.13
